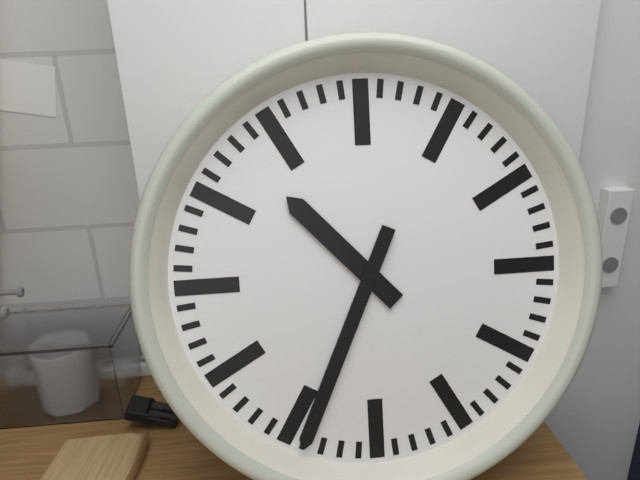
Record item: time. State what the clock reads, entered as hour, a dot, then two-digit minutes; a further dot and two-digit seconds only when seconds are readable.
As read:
10.34
